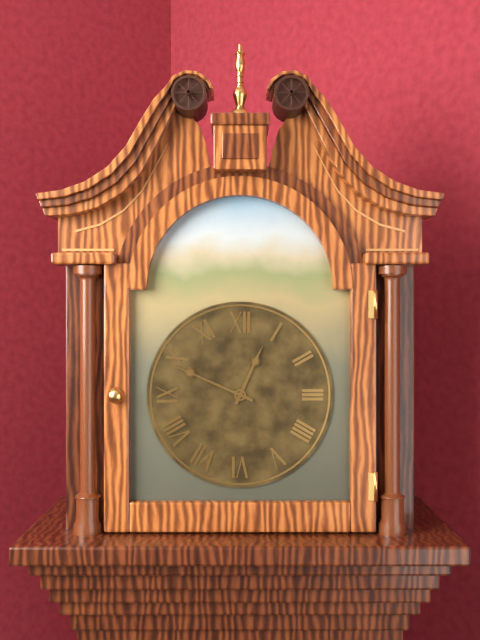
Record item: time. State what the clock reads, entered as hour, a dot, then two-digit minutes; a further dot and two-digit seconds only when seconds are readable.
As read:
12.49
